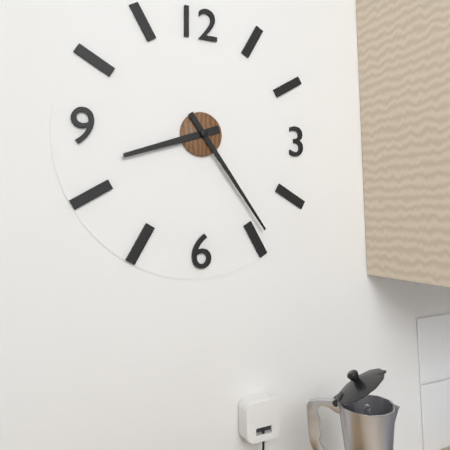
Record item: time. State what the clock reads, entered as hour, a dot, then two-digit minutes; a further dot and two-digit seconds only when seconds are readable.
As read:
8.24
